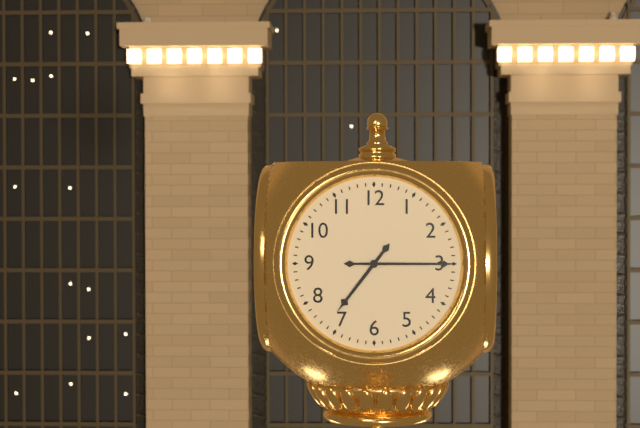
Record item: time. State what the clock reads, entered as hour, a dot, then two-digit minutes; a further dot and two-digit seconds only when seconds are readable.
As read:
7.15
